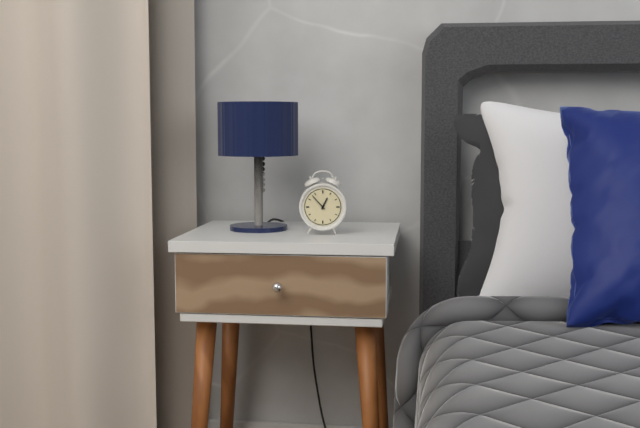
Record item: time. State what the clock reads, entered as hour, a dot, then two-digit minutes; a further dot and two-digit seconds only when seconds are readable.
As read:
12.53
